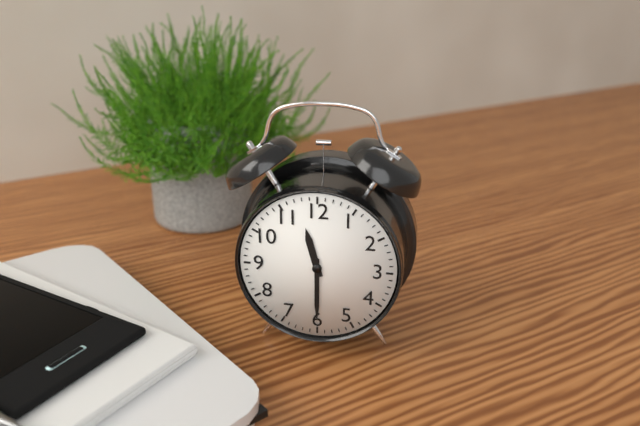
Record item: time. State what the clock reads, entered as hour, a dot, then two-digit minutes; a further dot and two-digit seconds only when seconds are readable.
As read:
11.30
